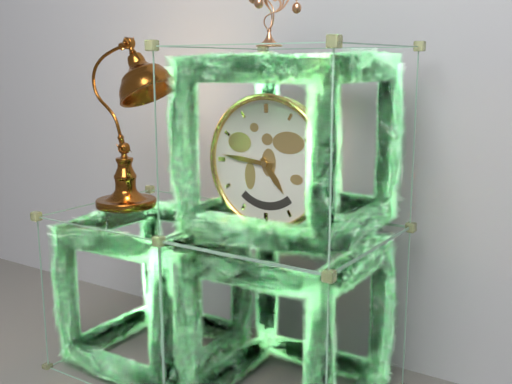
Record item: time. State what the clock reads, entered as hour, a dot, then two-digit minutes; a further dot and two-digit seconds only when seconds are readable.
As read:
4.46
